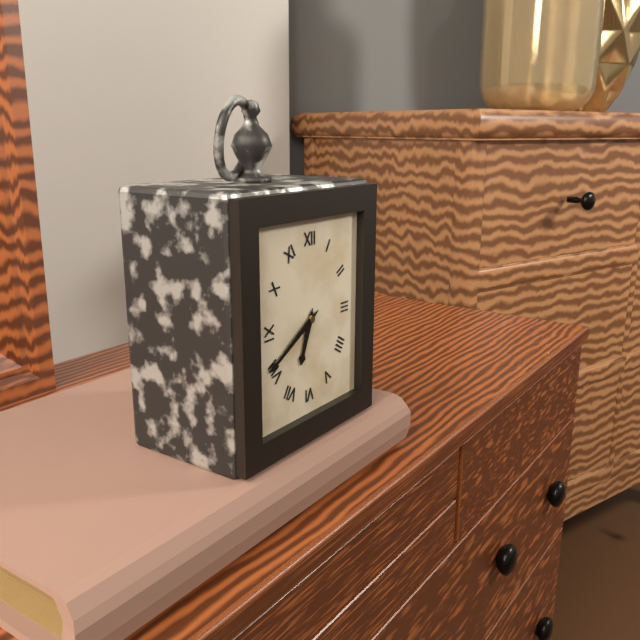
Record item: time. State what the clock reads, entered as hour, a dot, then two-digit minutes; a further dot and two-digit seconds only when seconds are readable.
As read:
6.40
